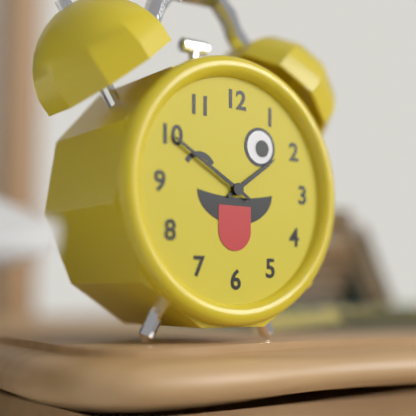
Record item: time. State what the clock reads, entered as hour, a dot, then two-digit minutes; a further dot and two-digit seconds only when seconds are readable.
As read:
1.50
